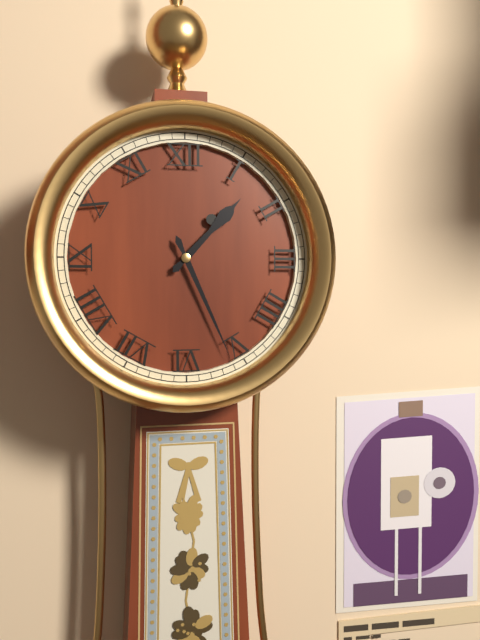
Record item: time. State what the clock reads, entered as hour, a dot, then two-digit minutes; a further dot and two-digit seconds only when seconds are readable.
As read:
1.26
